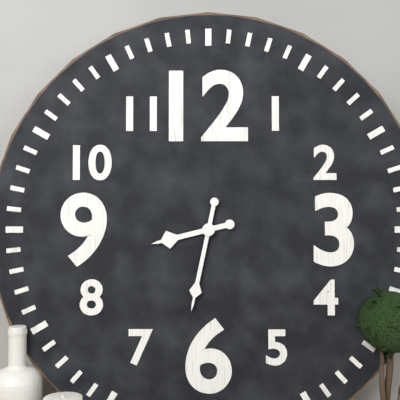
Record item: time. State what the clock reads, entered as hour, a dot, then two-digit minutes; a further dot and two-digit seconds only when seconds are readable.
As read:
8.32
